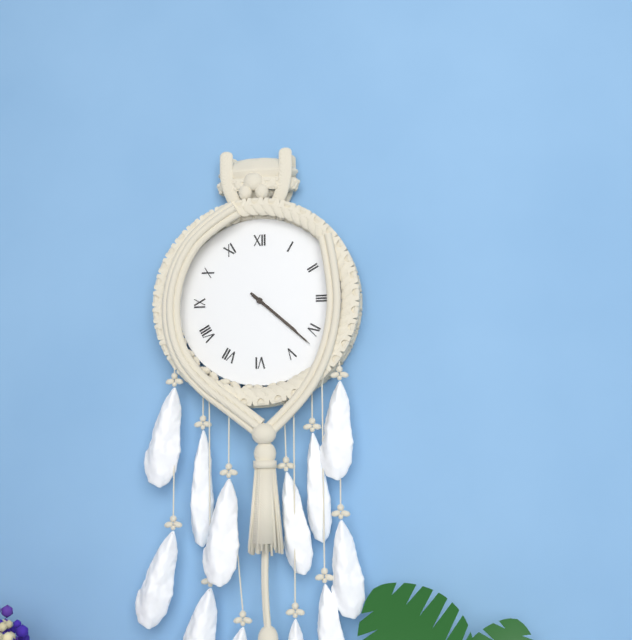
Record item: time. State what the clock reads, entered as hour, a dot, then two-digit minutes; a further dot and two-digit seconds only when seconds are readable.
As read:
4.22
